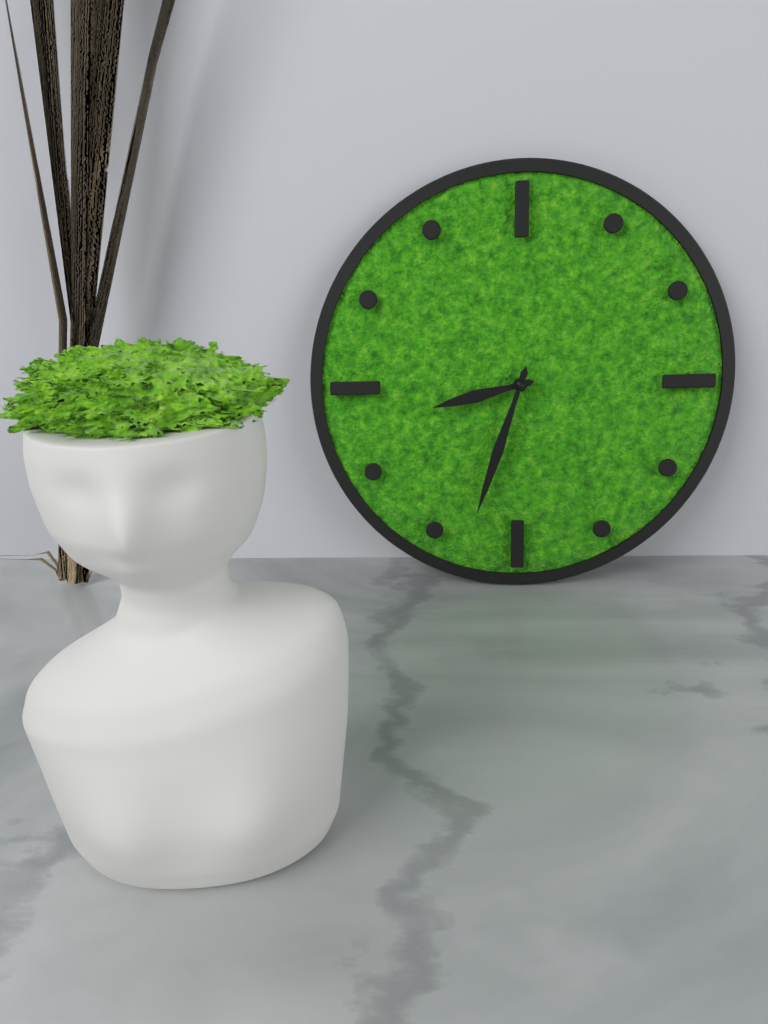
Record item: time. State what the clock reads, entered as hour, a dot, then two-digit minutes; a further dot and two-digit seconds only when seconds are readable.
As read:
8.33
